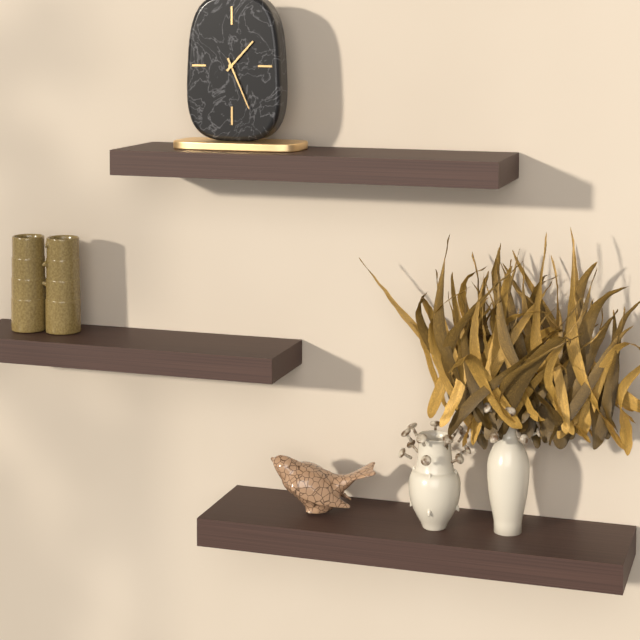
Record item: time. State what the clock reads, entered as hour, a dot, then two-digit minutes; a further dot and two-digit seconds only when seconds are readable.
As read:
1.26
